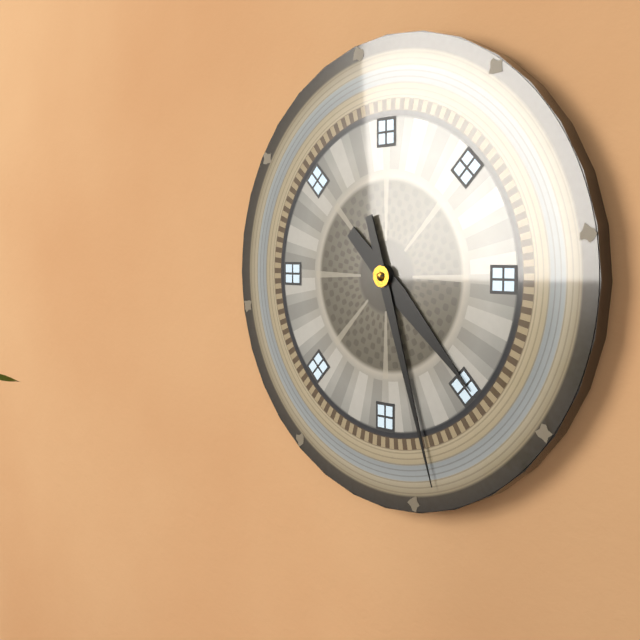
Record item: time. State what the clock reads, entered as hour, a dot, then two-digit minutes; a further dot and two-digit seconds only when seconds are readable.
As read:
4.27
